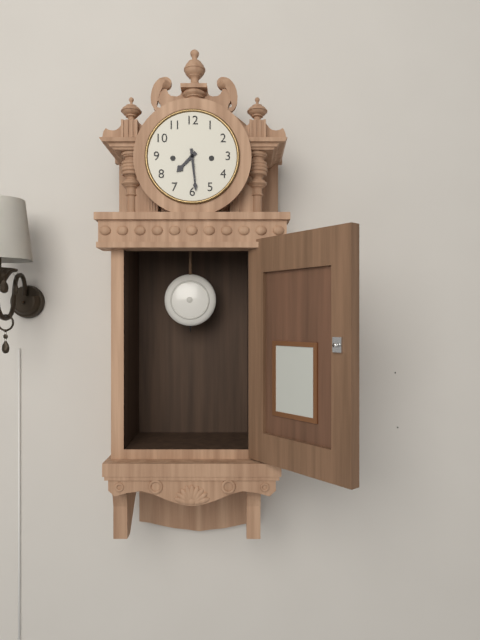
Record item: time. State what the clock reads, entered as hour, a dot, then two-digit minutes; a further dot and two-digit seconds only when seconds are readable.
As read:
7.29
